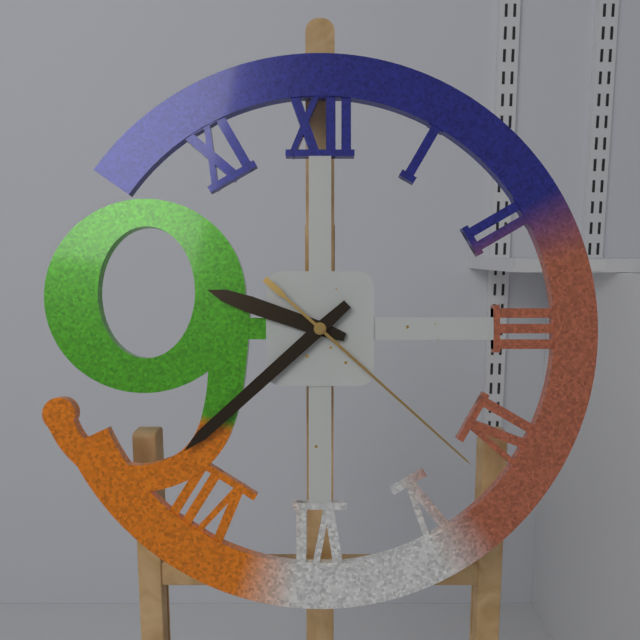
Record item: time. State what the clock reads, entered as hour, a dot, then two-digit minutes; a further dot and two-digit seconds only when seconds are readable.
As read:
9.38.22
